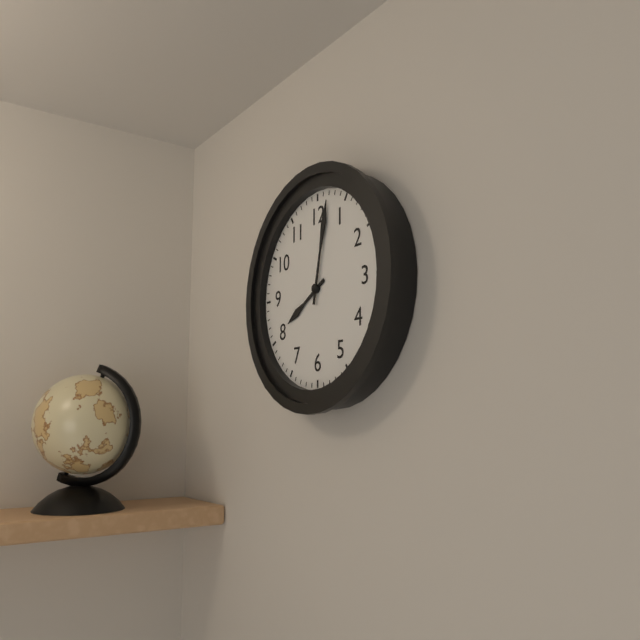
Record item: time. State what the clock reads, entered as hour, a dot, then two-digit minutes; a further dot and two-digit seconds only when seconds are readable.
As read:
8.02
